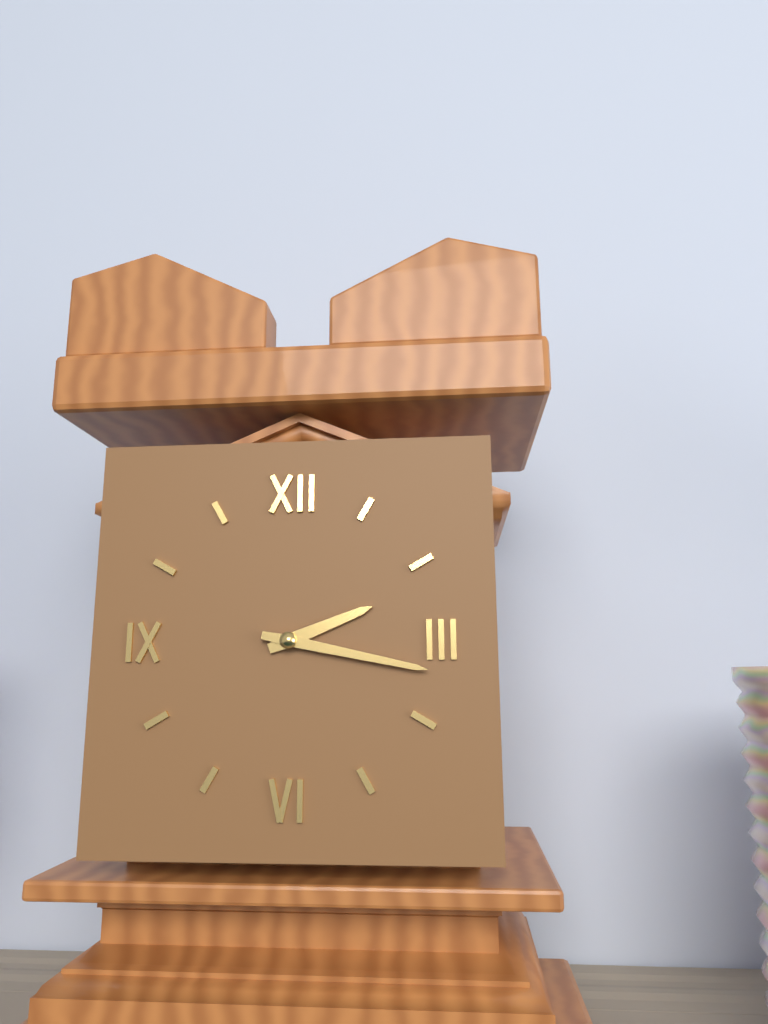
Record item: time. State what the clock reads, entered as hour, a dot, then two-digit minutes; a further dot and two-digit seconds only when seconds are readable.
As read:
2.17
